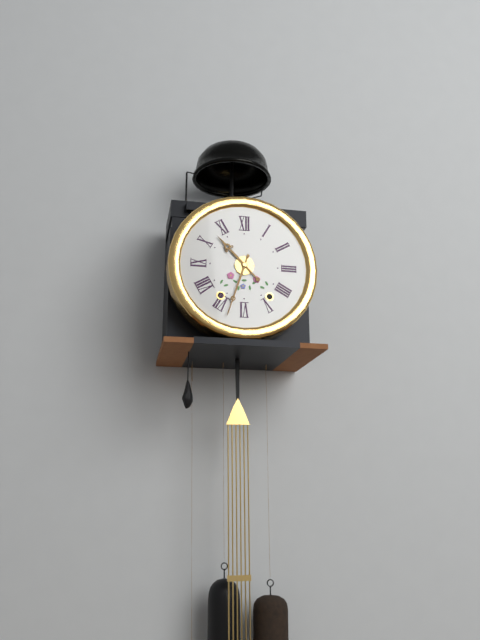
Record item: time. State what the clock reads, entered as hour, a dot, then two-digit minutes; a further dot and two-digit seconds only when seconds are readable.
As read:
10.33
